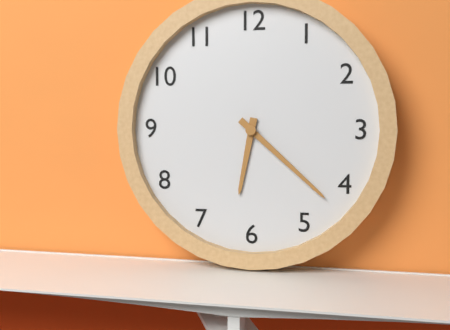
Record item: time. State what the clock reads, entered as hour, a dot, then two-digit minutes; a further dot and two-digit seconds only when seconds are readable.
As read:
6.22
